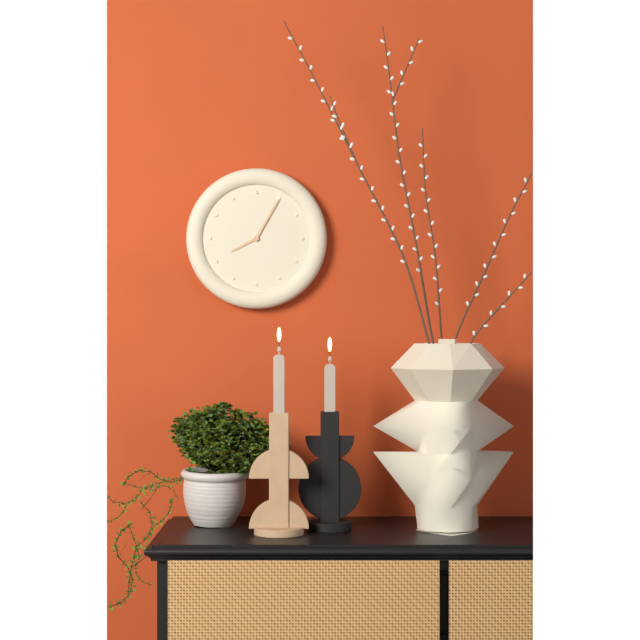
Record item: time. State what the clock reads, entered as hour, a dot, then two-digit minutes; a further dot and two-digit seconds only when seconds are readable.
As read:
8.05
